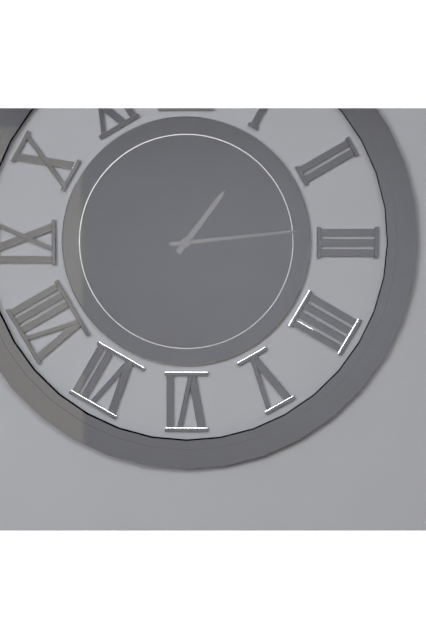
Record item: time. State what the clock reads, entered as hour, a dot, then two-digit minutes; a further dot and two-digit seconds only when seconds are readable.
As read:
1.14
